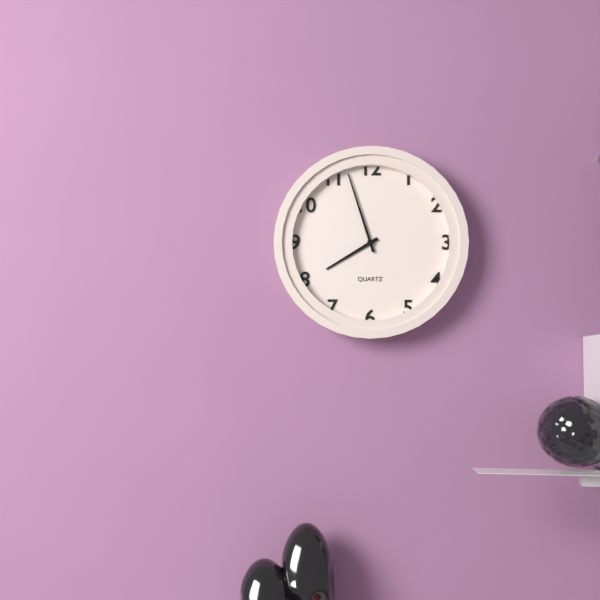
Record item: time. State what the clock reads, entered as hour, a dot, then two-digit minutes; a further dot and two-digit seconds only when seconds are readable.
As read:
7.57
